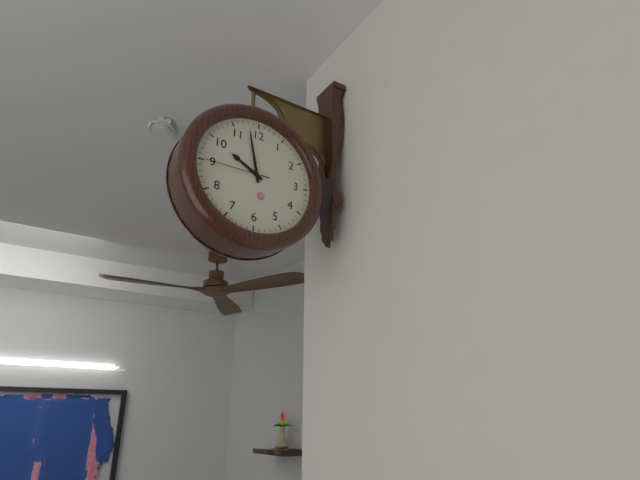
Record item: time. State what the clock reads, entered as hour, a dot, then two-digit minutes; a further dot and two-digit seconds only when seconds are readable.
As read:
9.58.45
